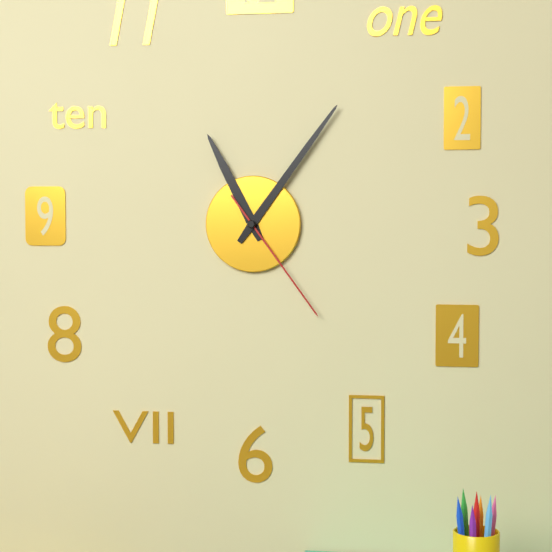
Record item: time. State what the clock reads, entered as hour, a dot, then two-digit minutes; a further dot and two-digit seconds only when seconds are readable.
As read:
11.06.24
